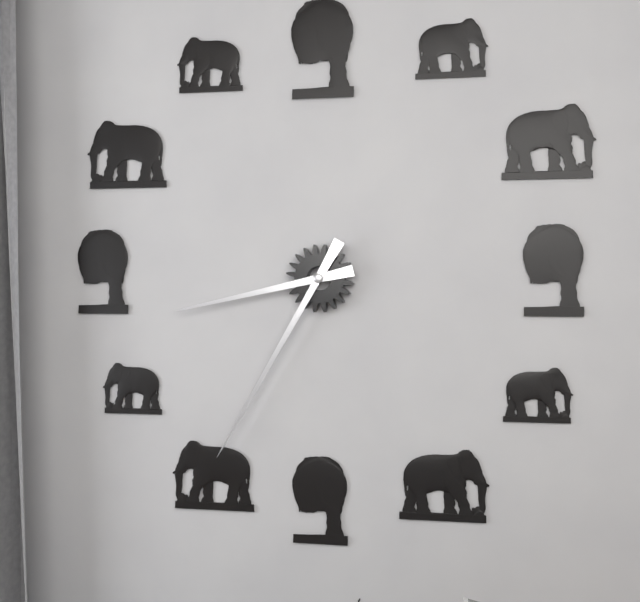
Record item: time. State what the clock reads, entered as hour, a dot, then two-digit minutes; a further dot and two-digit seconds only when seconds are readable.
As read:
8.35
